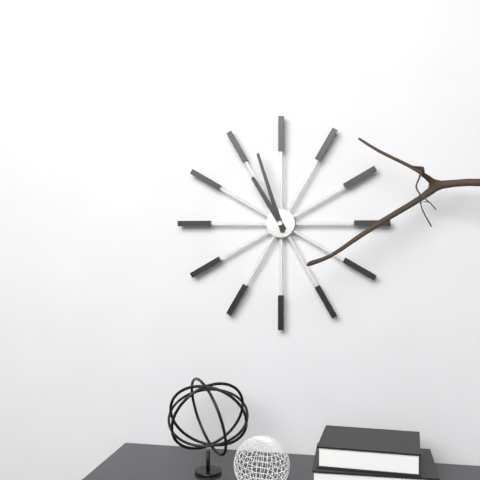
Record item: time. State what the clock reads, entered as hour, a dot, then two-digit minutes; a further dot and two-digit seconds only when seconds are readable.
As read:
10.57
